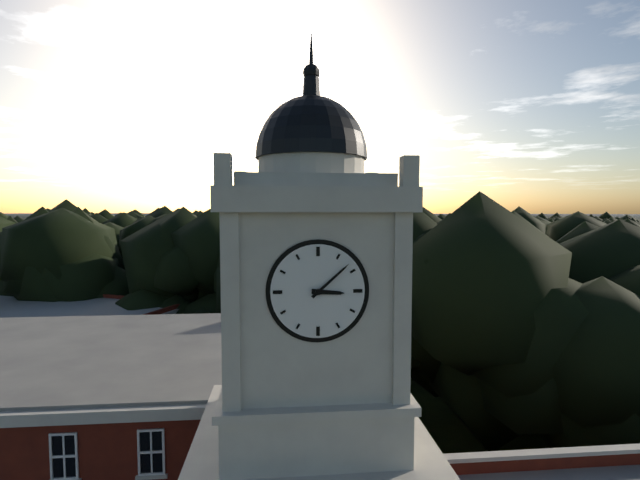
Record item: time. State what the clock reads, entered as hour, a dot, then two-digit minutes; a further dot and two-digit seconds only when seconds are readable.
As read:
3.08
